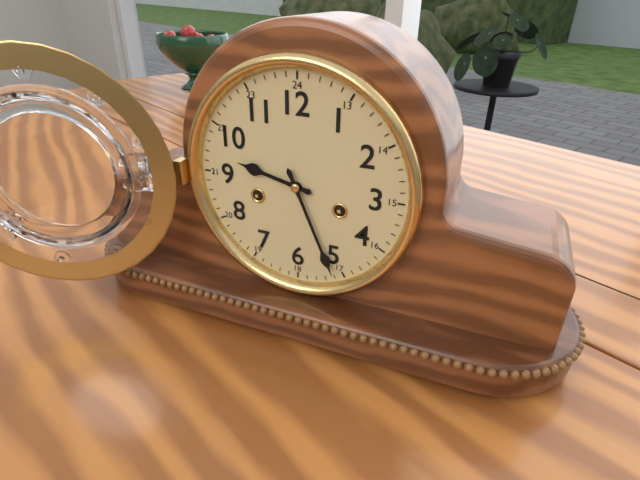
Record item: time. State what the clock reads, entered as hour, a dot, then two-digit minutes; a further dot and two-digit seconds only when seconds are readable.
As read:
9.26
